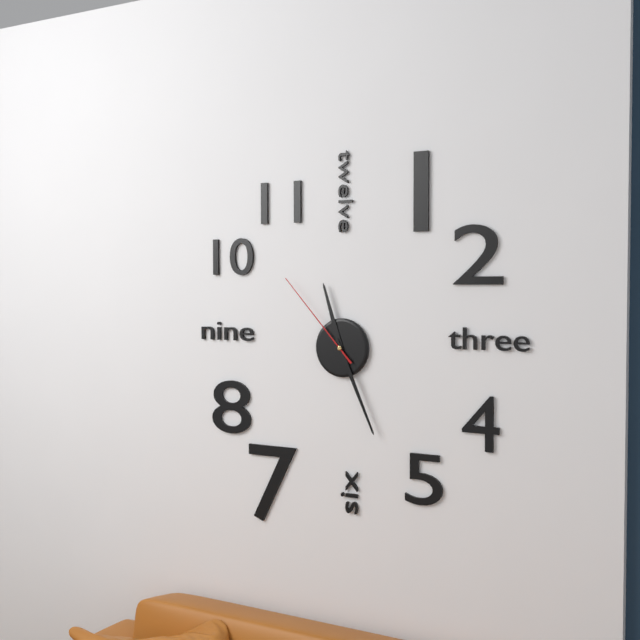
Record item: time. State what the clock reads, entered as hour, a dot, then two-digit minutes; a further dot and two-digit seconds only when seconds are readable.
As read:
11.26.53
